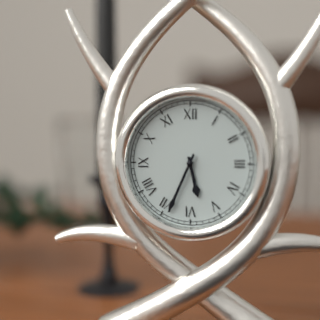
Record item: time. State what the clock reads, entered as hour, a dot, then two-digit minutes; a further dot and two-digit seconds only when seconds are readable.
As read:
5.34
